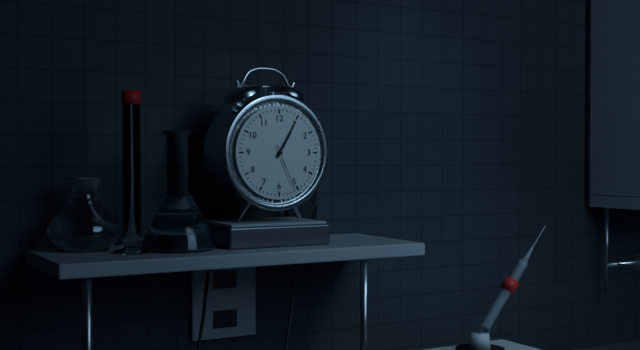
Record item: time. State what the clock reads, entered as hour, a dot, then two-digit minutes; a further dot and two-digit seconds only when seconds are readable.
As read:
1.05
